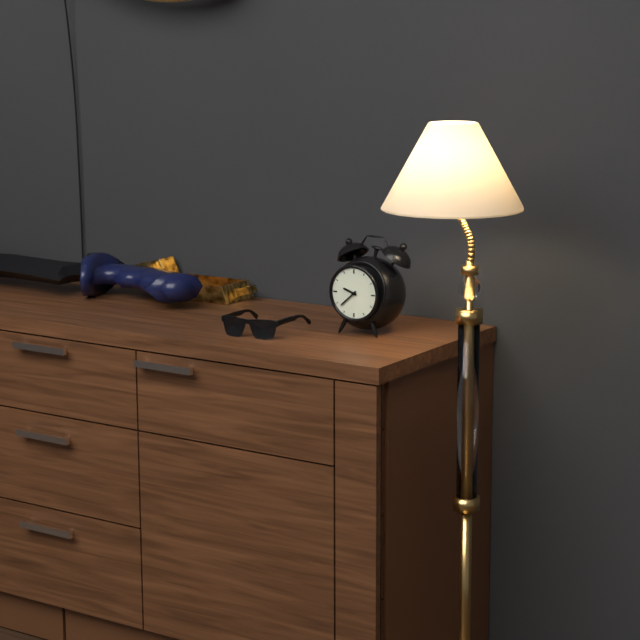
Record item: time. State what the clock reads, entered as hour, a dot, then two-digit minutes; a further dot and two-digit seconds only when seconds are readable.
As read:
9.38
